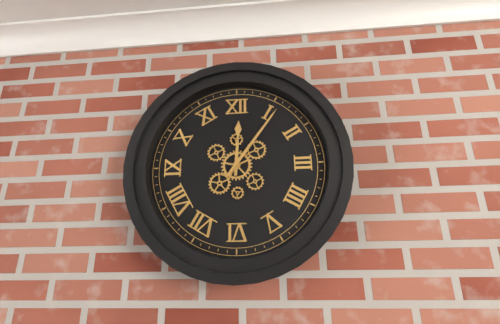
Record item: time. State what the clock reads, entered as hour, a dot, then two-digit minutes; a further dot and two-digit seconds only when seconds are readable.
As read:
12.06
